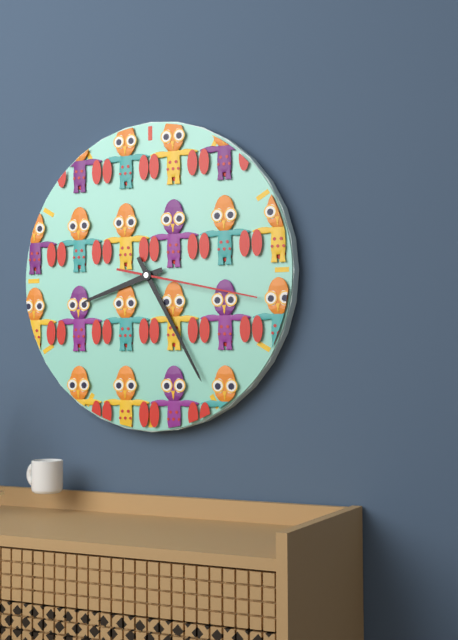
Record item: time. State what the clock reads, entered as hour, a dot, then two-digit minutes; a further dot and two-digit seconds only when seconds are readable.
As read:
8.25.17
